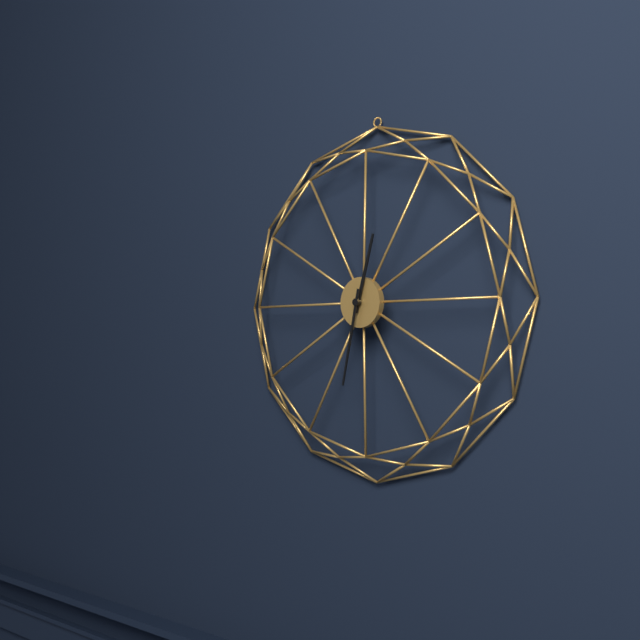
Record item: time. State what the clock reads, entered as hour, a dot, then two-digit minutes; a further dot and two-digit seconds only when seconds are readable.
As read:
12.32
